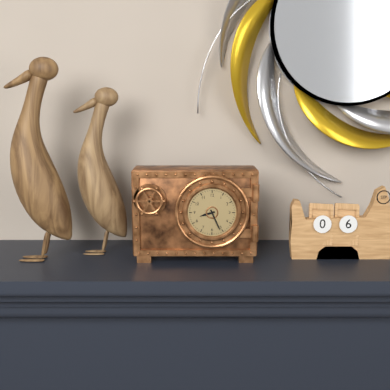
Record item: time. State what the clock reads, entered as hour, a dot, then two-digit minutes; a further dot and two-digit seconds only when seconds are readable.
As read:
8.26
